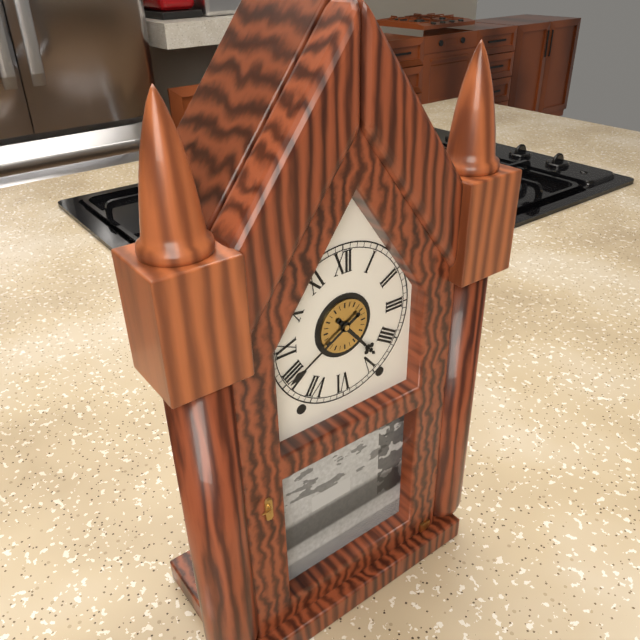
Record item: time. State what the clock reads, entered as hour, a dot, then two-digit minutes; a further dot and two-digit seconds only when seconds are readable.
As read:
4.40
